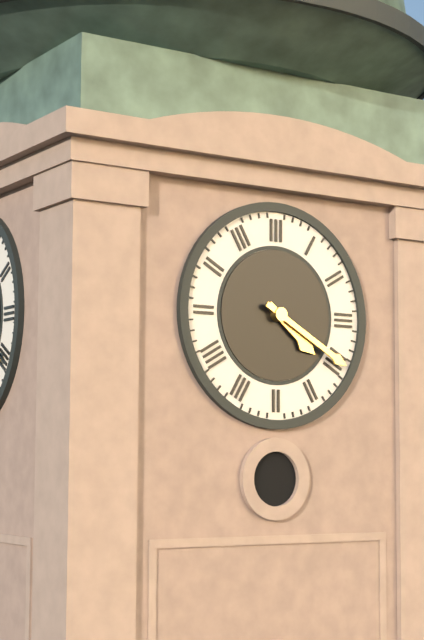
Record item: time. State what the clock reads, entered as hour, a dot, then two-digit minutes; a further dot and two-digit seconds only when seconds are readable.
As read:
4.20
